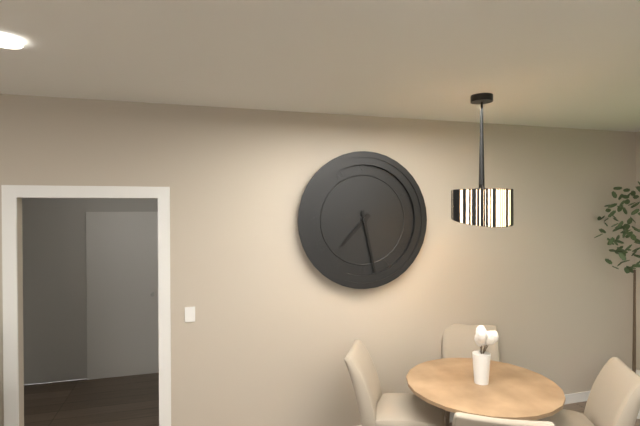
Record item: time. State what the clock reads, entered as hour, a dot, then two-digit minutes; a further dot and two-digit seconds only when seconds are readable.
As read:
7.28
